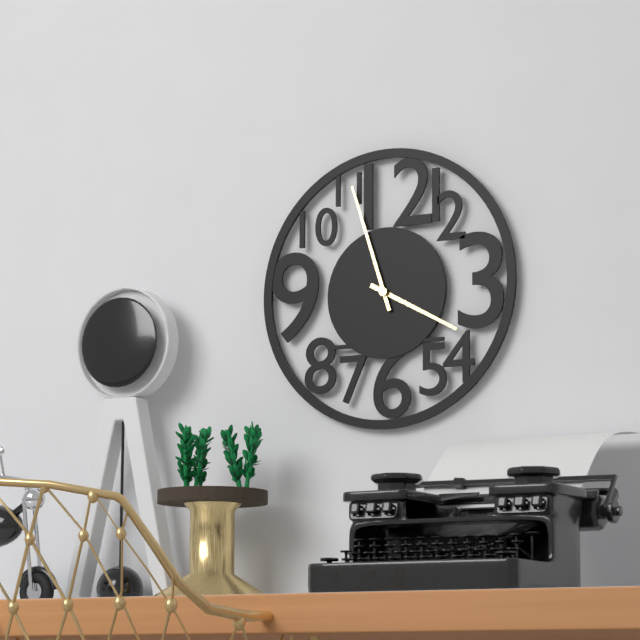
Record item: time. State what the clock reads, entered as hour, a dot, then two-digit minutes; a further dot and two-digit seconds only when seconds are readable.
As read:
3.57
